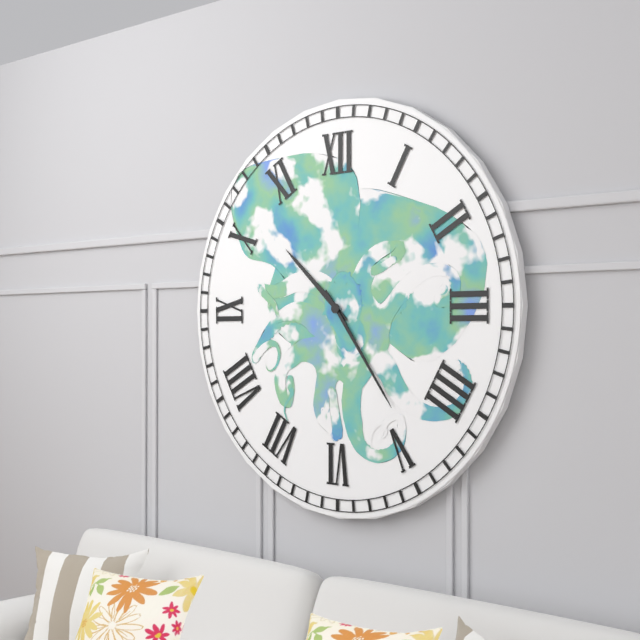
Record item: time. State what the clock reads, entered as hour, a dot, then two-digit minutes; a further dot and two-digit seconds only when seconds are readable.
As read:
10.24
